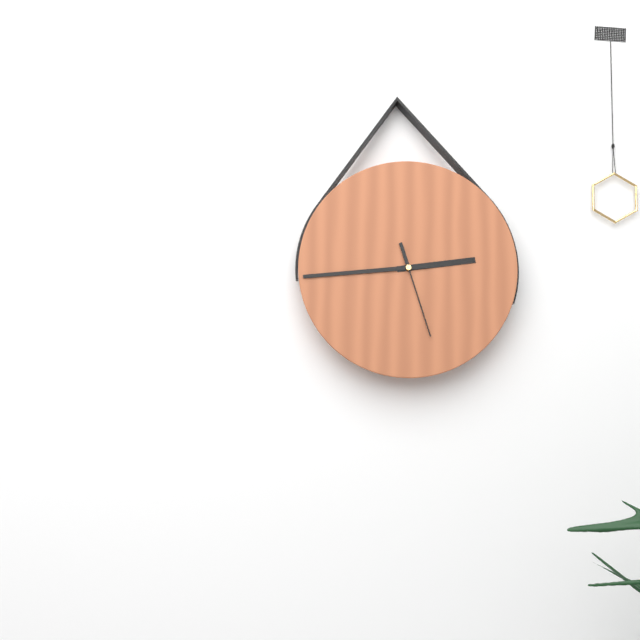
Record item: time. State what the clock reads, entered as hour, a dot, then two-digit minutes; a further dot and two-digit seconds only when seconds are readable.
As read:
2.44.27
